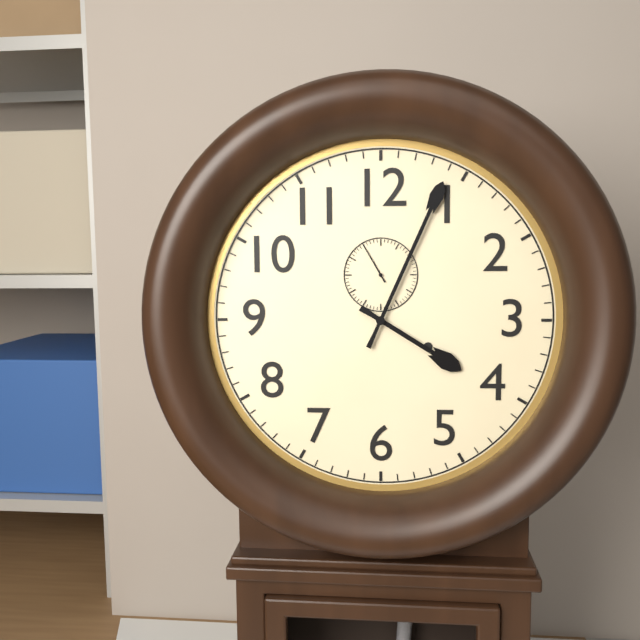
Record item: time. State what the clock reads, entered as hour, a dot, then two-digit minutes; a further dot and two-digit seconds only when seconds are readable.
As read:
4.04
